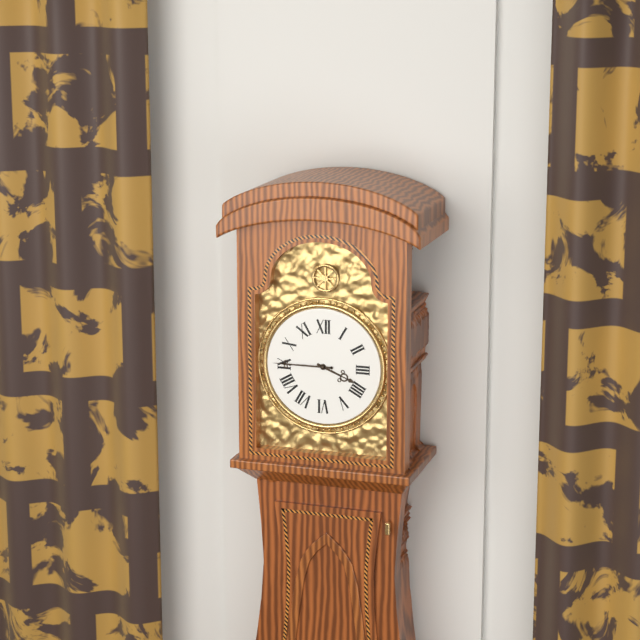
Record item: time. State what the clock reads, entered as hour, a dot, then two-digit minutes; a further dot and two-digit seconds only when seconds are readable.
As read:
3.45
